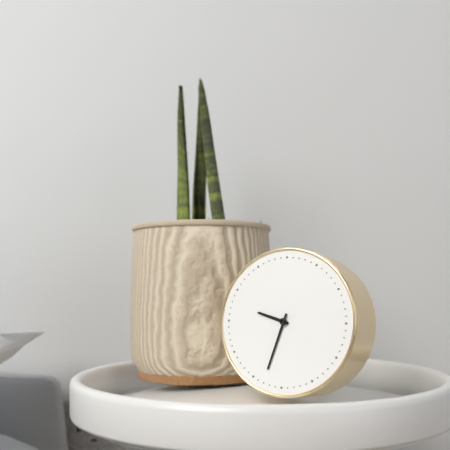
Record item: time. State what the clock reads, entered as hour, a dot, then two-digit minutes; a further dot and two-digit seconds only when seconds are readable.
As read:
9.33
